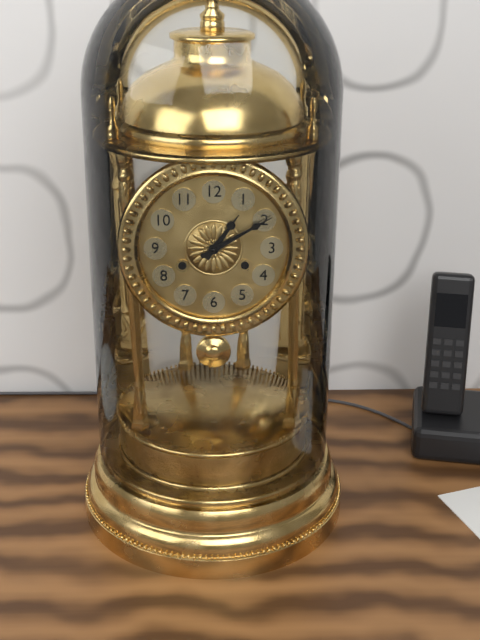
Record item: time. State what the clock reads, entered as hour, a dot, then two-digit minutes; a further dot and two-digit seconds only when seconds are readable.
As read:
1.10
